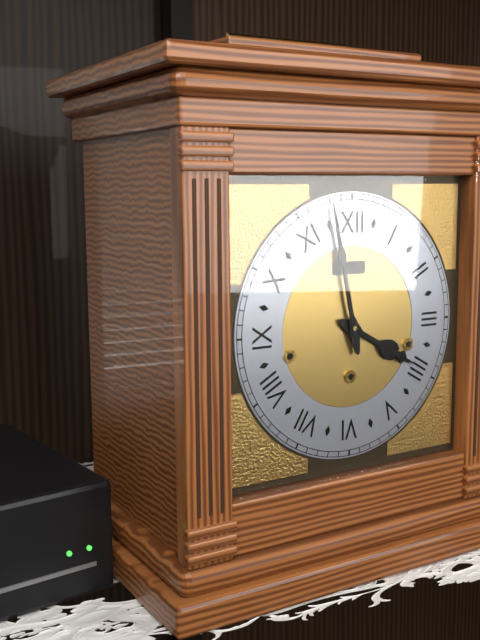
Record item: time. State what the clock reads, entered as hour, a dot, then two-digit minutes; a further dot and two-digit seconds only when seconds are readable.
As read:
3.58
